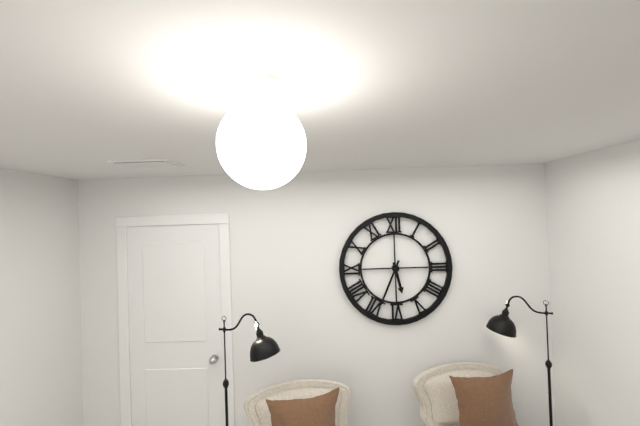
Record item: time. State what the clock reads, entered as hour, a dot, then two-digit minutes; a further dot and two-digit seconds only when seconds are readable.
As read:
5.34
